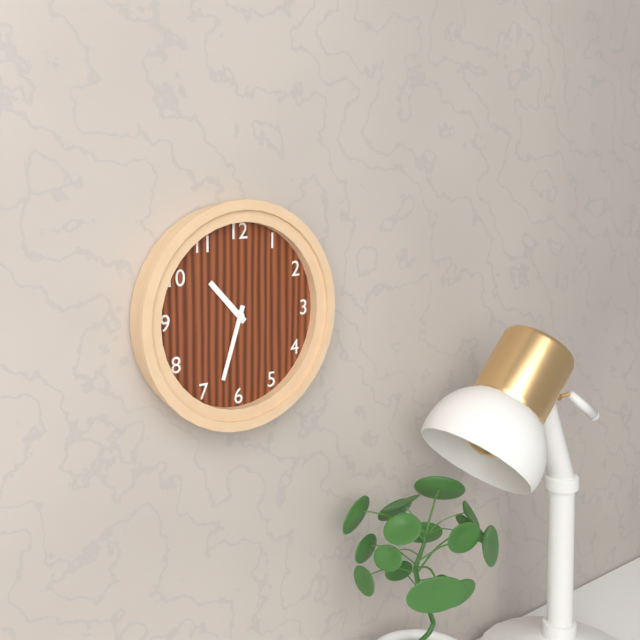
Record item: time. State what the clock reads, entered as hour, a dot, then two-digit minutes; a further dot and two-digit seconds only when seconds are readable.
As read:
10.33
